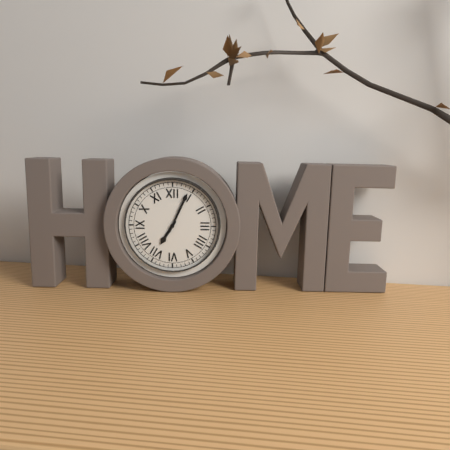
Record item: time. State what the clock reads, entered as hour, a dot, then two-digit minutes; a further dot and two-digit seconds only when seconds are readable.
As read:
7.04
